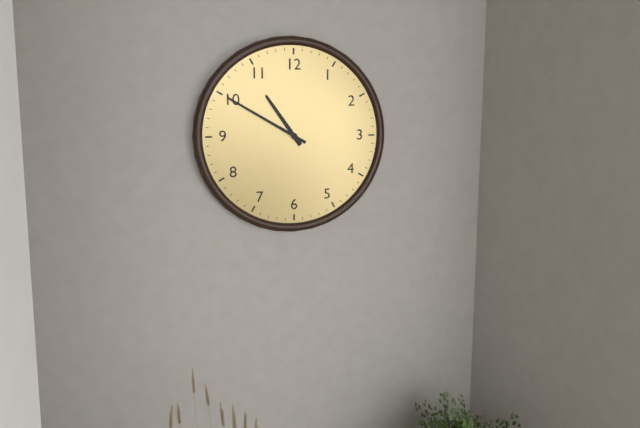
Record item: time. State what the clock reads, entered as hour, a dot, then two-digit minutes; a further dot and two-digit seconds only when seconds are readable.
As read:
10.50
